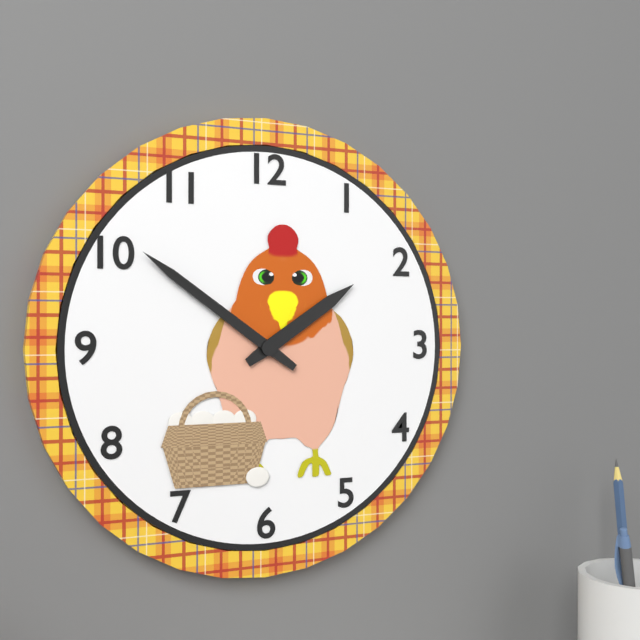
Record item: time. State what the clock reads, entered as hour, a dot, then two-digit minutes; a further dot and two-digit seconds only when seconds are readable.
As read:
1.51
